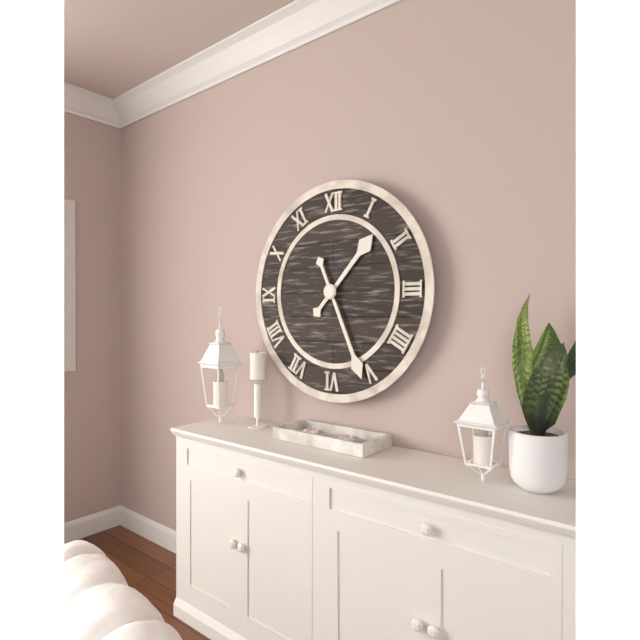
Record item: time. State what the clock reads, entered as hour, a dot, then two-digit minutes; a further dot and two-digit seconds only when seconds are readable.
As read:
1.26
